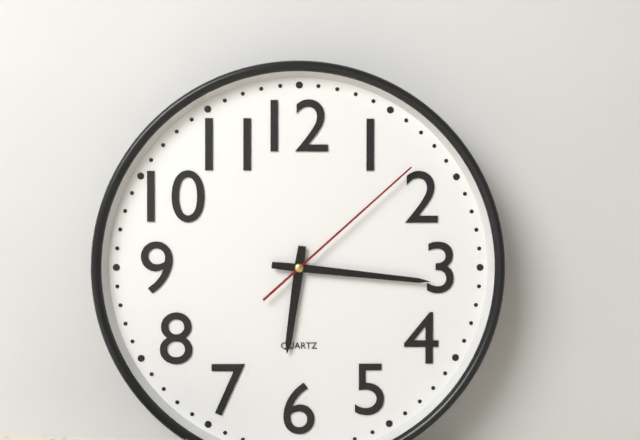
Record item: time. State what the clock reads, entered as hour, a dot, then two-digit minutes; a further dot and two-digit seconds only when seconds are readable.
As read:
6.16.08
